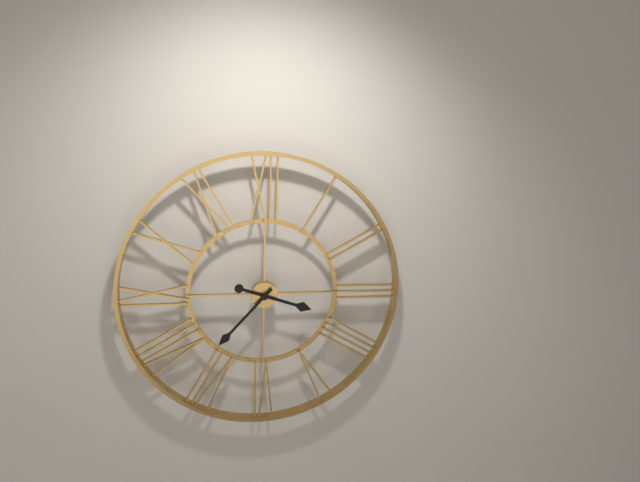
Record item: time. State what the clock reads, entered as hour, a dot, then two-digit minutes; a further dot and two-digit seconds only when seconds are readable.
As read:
3.37
